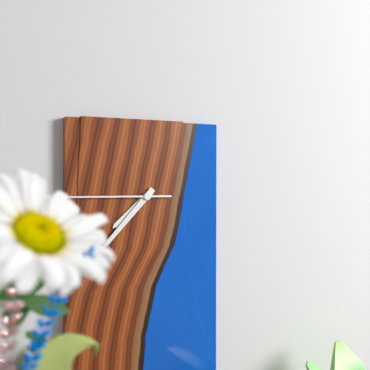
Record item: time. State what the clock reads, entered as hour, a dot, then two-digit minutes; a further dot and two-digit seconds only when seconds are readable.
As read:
7.37.45
